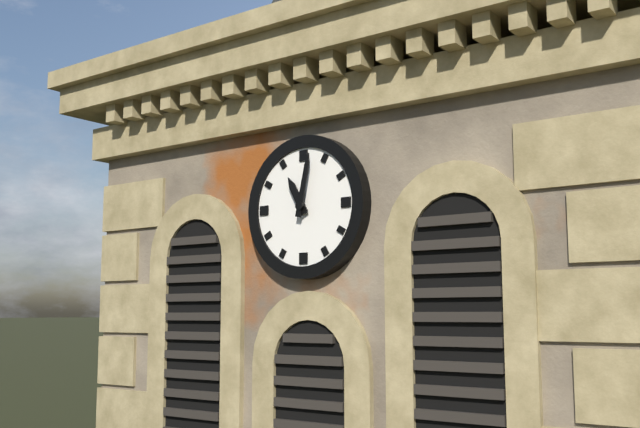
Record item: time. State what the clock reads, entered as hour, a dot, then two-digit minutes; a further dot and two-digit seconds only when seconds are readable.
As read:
11.02
